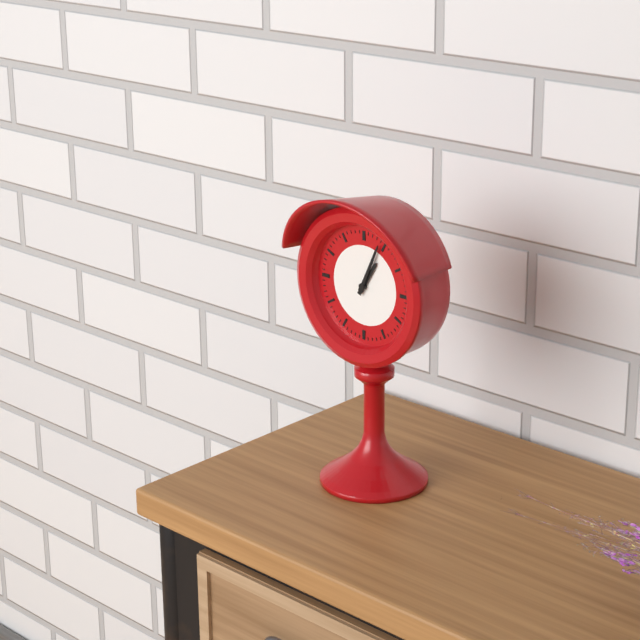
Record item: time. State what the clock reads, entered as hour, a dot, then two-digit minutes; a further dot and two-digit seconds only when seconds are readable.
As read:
1.04
